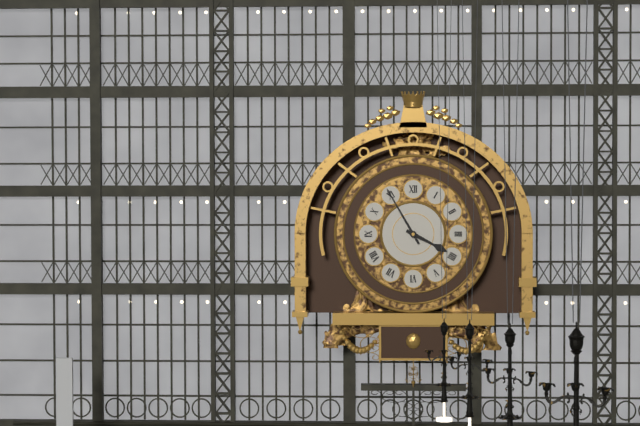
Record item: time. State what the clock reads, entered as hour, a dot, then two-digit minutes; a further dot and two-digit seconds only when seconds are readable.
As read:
3.55
